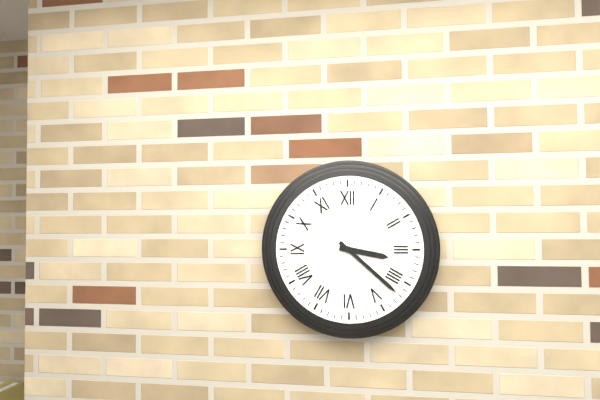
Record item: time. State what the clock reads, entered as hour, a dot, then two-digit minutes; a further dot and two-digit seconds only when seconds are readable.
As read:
3.22
